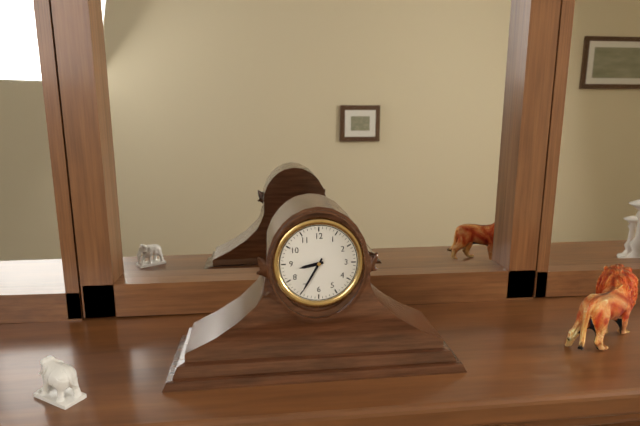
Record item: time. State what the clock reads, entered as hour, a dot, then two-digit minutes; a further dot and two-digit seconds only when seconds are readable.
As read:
8.35
